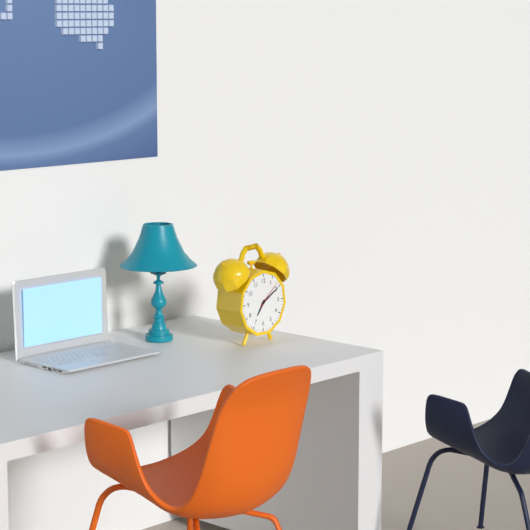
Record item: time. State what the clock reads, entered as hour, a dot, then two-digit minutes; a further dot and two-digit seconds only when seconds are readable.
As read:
7.10
